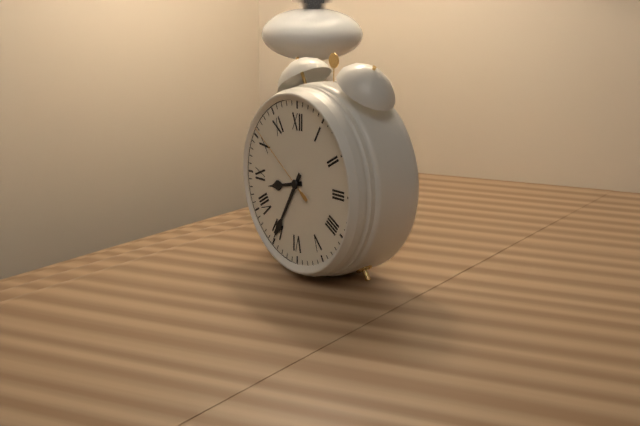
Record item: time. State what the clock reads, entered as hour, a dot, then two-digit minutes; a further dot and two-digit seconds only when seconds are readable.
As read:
8.35.51
